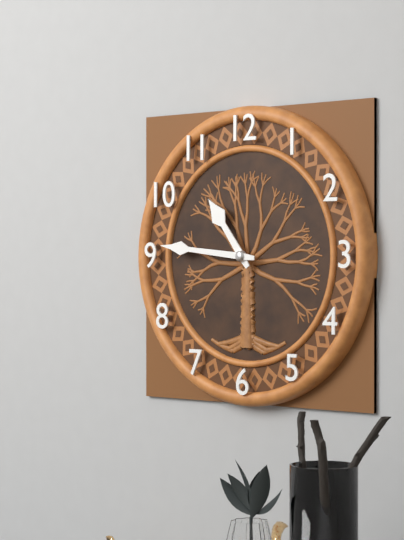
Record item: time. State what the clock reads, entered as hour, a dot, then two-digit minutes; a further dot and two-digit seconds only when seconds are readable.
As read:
10.46
